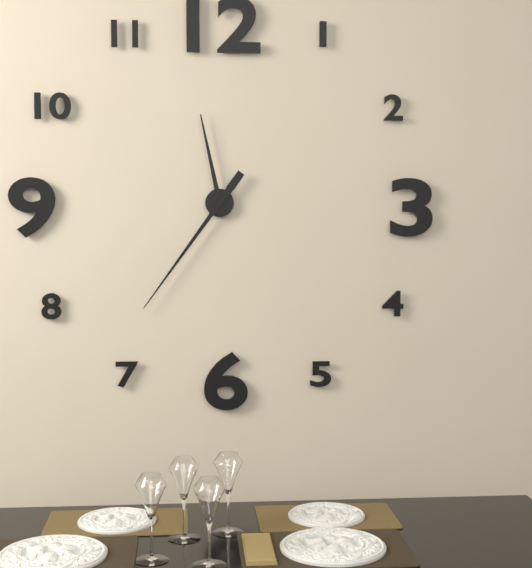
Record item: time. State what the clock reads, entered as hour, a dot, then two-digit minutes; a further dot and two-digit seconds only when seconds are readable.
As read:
11.36
